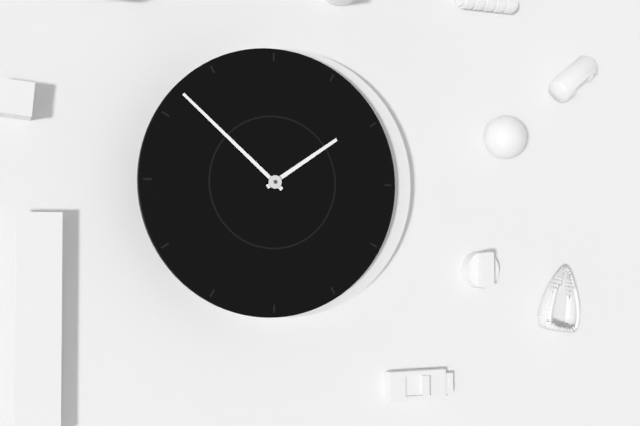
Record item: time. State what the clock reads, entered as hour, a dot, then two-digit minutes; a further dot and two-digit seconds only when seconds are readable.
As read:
1.52
